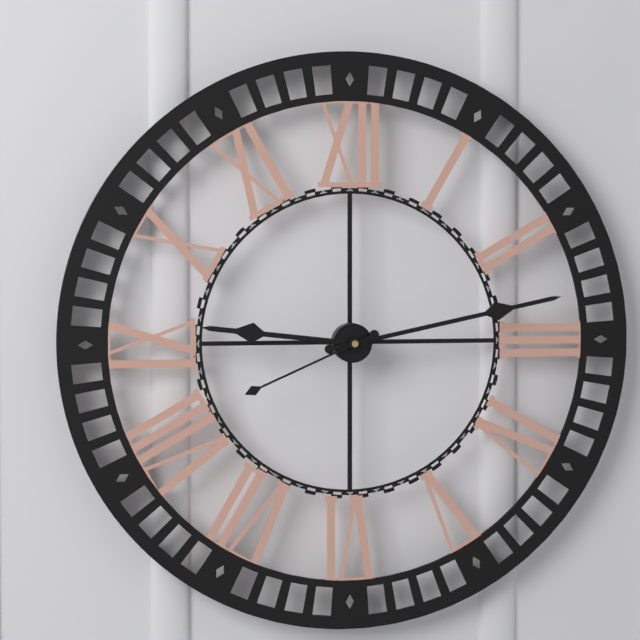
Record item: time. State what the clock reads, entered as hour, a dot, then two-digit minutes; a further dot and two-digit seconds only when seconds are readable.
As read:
9.13.41
